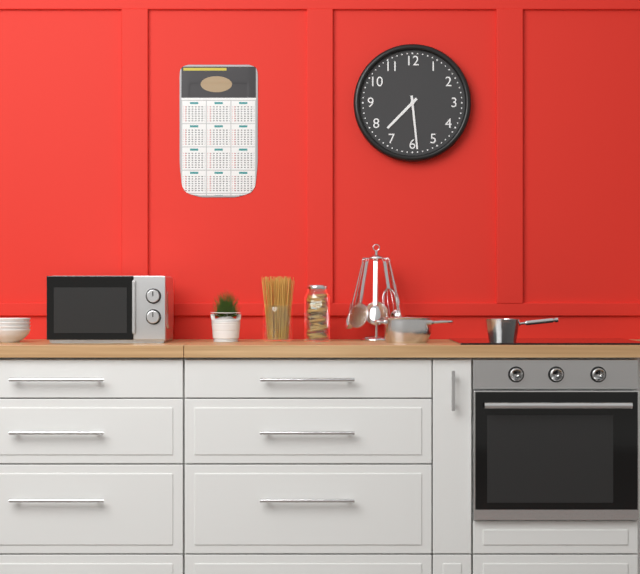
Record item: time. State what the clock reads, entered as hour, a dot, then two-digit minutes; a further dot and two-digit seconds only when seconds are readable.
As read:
7.29
